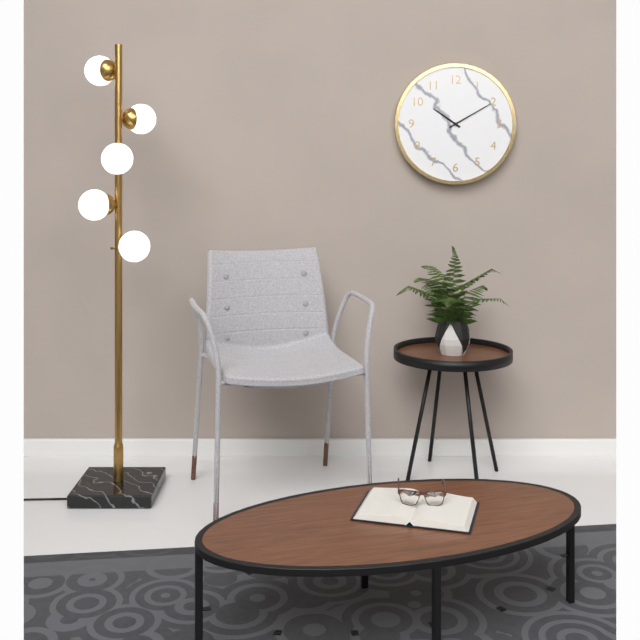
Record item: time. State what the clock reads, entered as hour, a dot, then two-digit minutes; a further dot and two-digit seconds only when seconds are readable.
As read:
10.10
